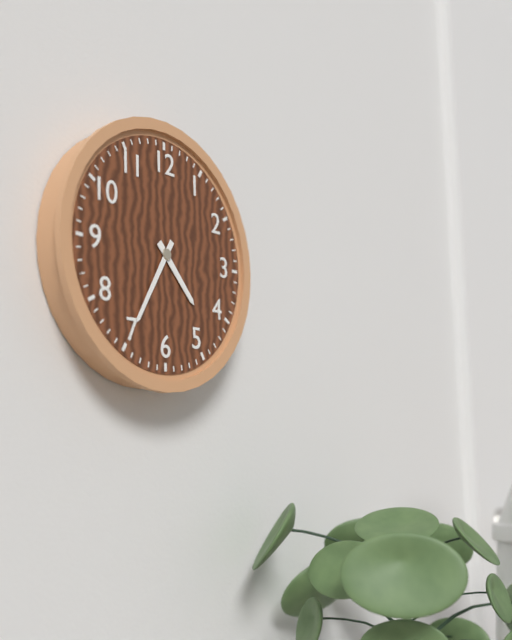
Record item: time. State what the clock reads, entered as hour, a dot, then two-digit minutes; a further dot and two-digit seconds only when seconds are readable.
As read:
4.35
